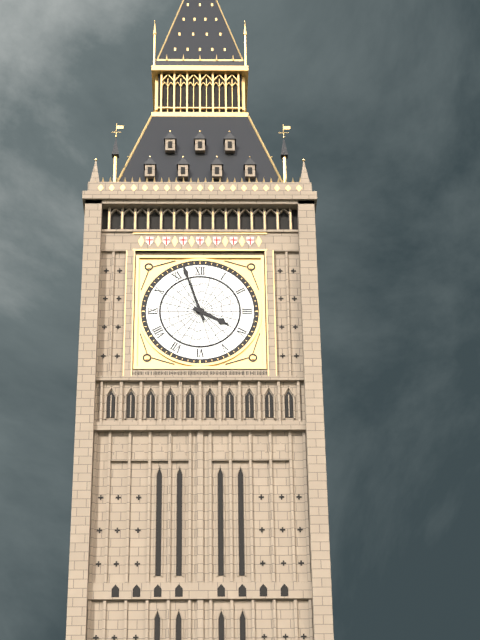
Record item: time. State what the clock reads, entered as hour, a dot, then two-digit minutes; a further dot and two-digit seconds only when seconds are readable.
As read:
3.57
